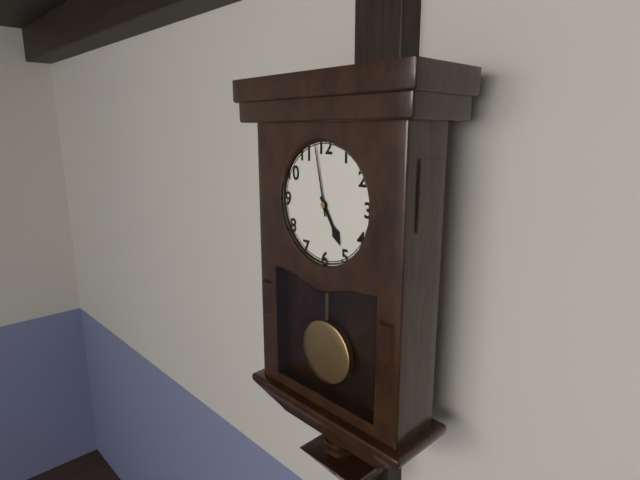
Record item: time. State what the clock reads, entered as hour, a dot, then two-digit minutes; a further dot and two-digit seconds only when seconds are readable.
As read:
4.58
